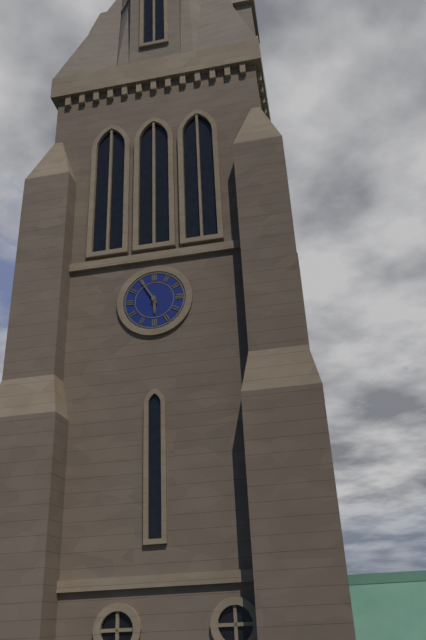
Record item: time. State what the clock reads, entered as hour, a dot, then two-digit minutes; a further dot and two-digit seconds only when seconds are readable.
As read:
5.55
